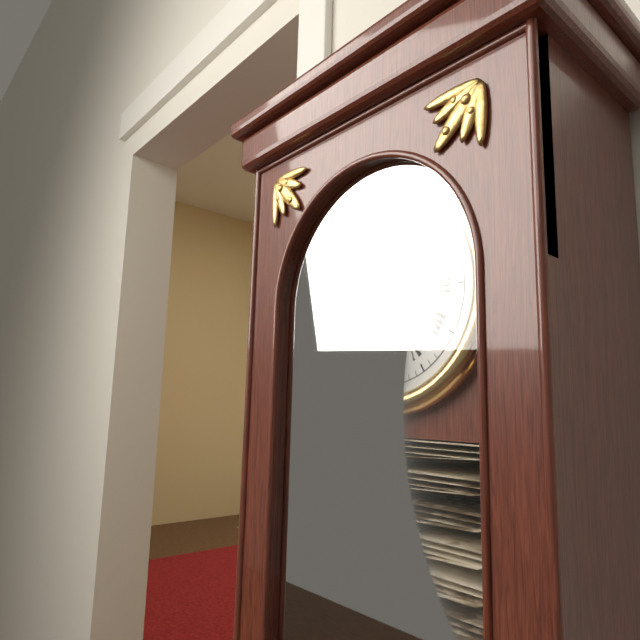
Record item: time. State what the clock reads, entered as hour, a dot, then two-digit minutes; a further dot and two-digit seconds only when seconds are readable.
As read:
10.03
